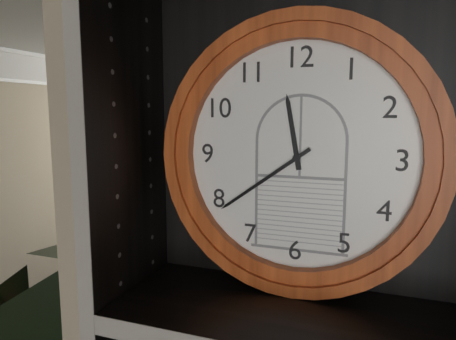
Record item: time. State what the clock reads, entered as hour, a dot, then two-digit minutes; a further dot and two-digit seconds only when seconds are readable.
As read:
11.39
